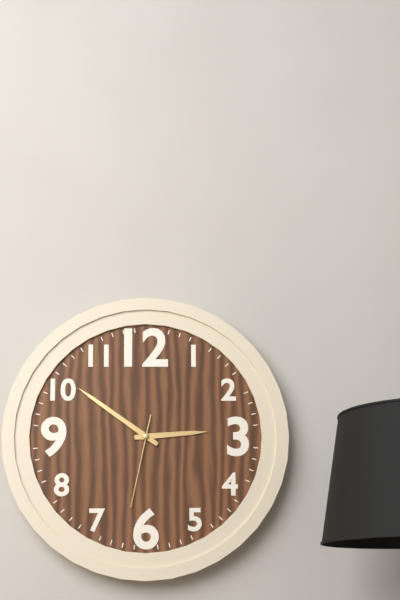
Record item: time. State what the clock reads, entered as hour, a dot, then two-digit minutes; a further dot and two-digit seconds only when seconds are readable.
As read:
2.51.32
